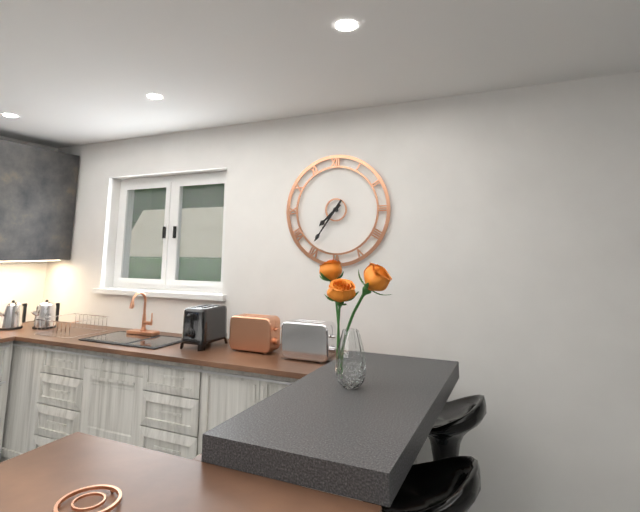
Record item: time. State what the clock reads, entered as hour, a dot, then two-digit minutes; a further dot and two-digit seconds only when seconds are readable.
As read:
7.36
